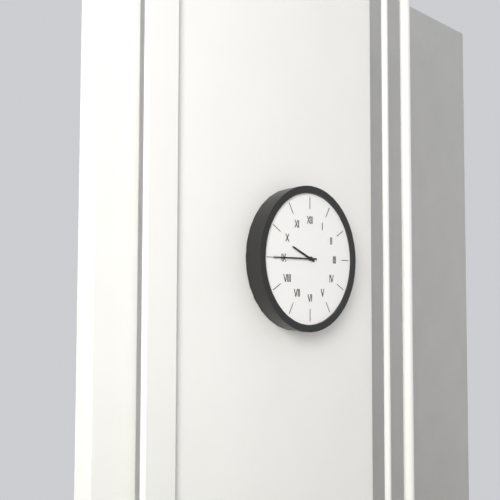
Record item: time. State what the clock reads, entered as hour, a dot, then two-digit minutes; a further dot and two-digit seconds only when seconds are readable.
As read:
9.45
